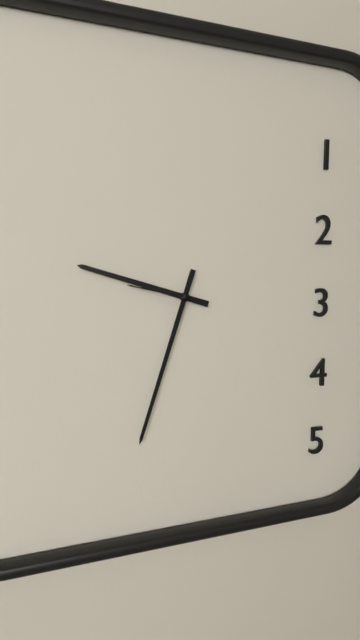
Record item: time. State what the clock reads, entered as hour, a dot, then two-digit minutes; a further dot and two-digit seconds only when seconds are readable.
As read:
9.33.47
